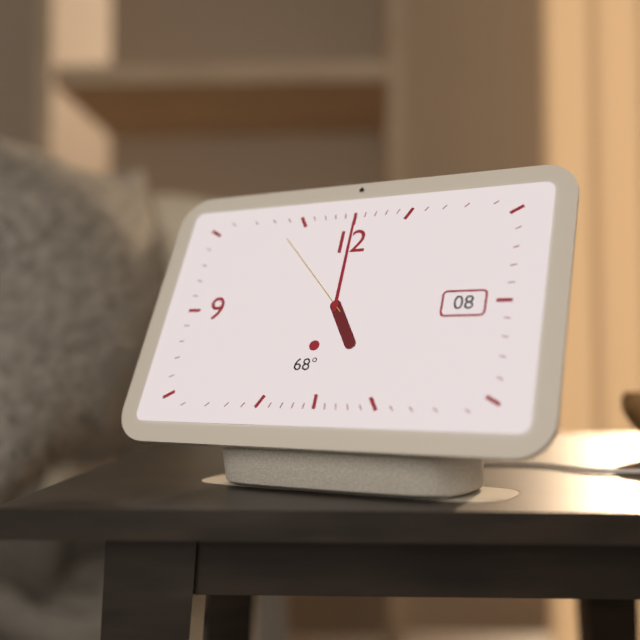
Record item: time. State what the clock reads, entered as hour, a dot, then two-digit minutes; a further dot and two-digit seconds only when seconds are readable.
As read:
5.00.53
